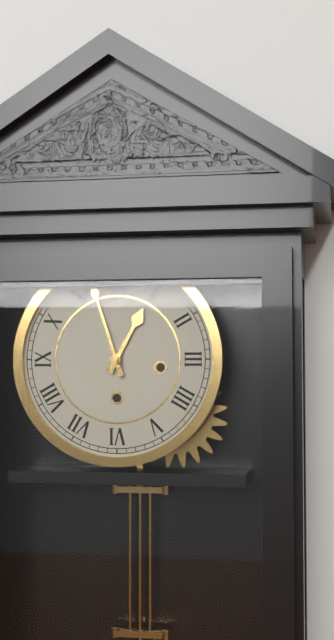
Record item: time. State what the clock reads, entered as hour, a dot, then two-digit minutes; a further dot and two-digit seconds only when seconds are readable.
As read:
12.57
